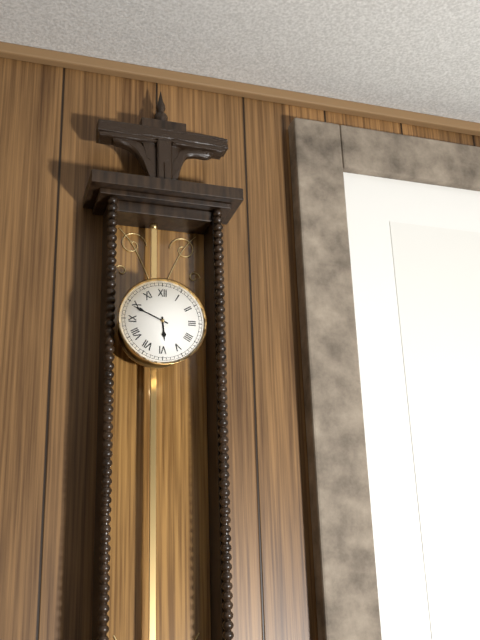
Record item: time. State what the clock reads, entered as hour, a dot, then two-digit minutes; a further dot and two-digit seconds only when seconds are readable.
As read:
5.49
